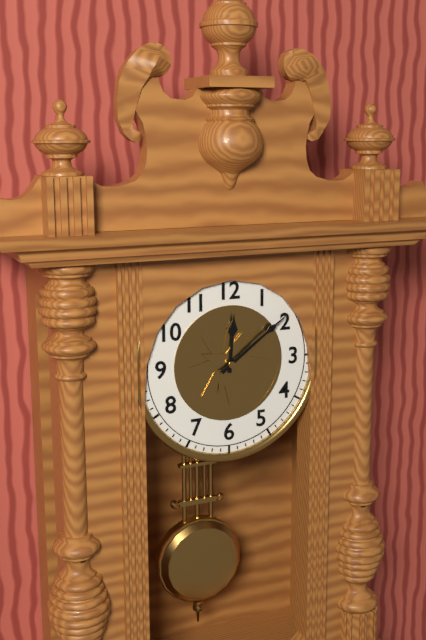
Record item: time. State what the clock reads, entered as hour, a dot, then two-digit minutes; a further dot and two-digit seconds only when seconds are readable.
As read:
12.09
